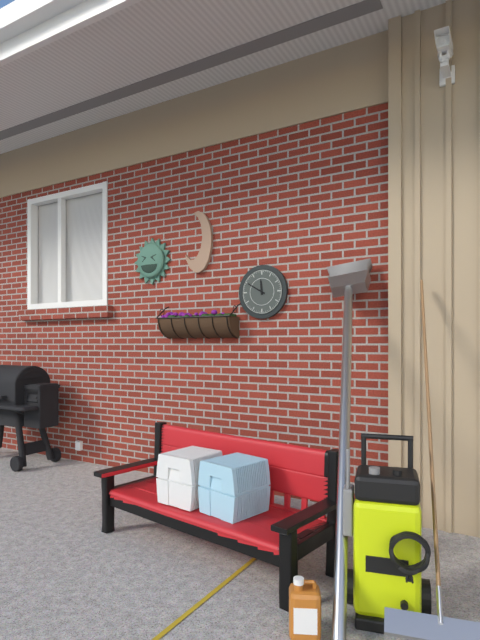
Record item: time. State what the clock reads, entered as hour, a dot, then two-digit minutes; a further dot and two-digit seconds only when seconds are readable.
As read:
11.50
